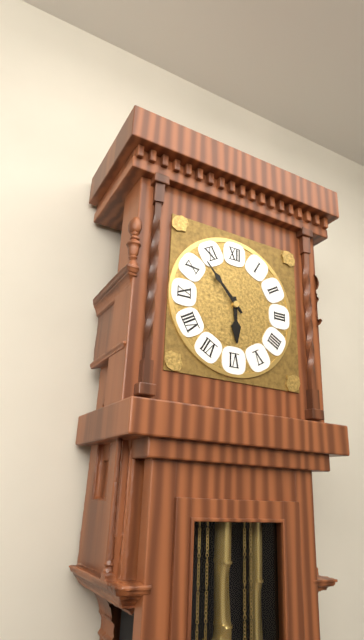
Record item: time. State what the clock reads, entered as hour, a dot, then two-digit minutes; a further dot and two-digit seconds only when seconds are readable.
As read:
5.53
